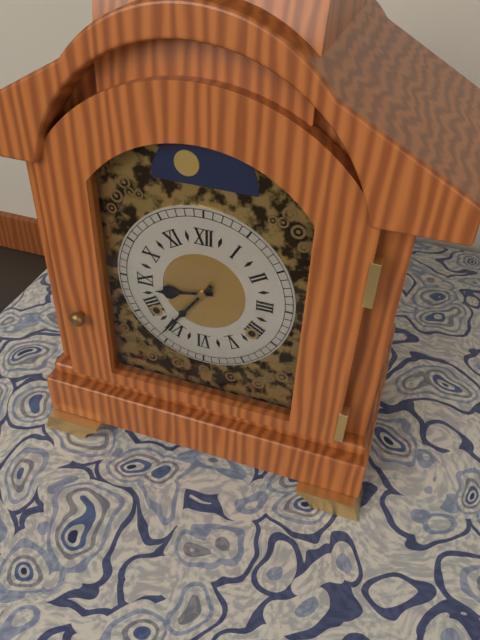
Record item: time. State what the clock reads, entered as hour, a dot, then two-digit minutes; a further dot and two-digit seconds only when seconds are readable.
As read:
8.36
